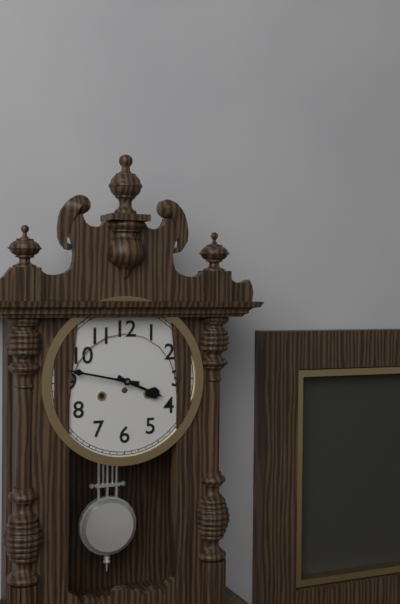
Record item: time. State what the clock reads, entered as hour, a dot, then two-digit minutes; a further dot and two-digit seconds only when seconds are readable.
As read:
3.47
